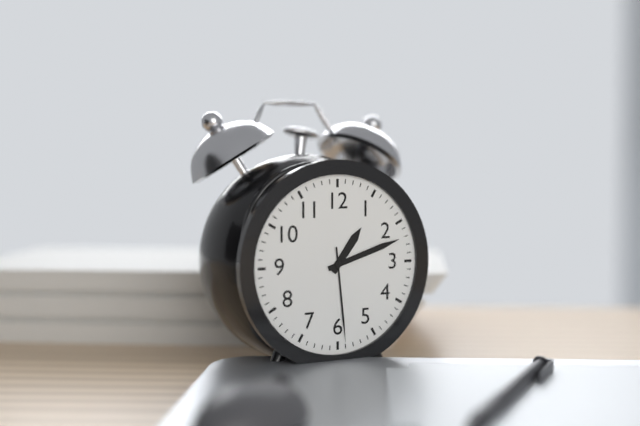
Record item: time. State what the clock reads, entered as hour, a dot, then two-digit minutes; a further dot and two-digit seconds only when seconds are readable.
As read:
1.12.29
